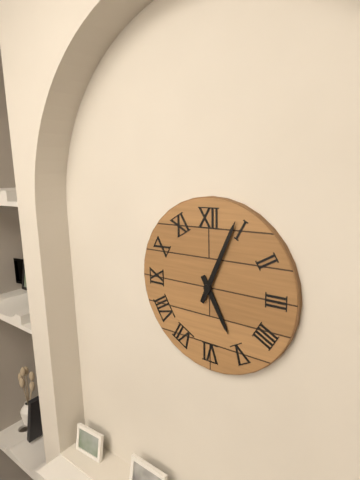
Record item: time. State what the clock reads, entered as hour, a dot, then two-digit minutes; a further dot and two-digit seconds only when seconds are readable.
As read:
5.04
